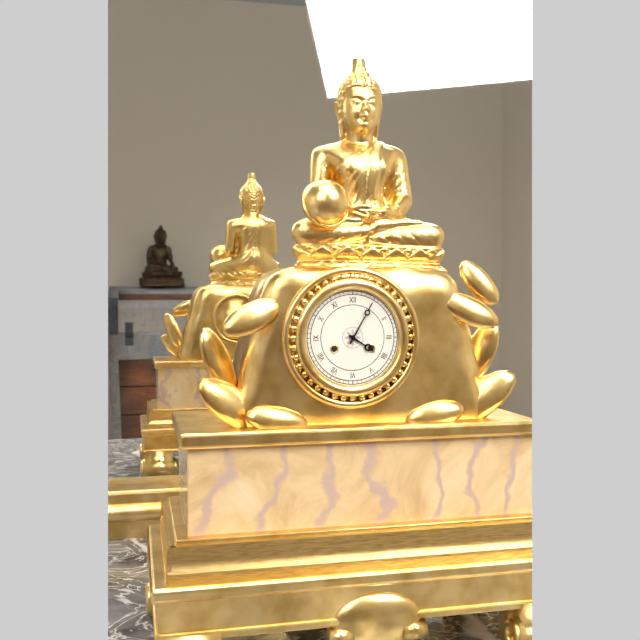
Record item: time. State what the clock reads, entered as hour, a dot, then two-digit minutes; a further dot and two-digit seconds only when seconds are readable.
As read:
4.05
